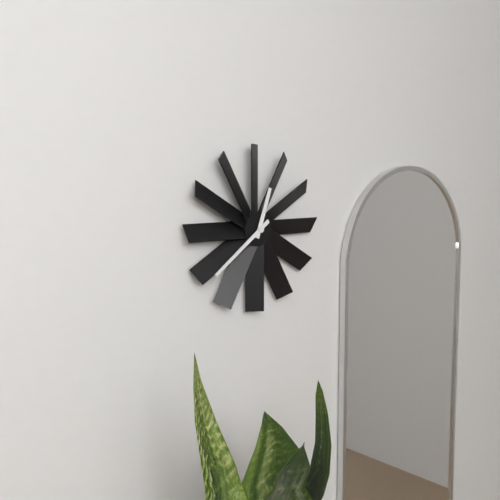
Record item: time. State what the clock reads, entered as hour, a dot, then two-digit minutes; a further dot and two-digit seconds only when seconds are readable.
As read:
12.39
